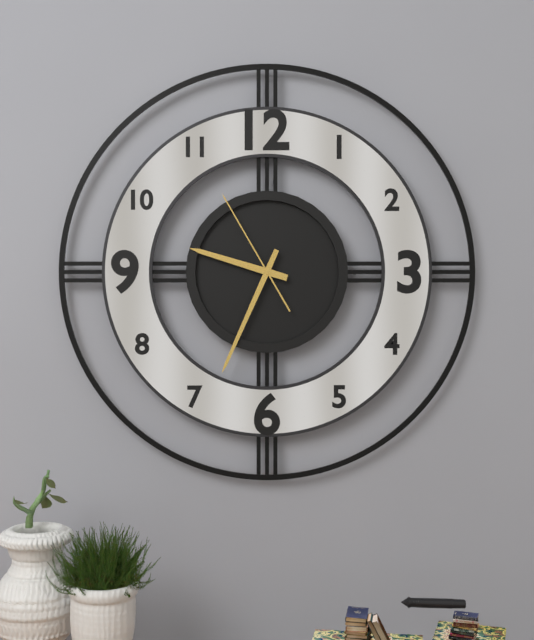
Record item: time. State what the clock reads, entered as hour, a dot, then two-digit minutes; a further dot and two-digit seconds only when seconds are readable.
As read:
9.34.55
